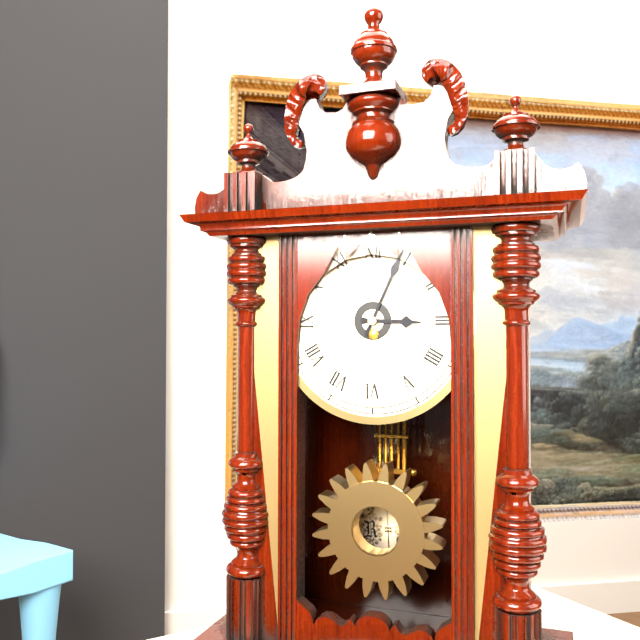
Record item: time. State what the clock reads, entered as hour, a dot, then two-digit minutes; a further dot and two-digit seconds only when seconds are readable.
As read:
3.04
